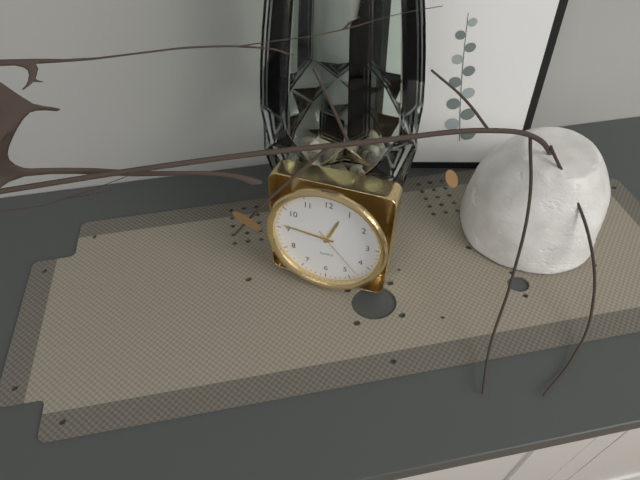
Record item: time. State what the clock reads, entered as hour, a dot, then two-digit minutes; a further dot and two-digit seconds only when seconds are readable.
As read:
12.46.23
